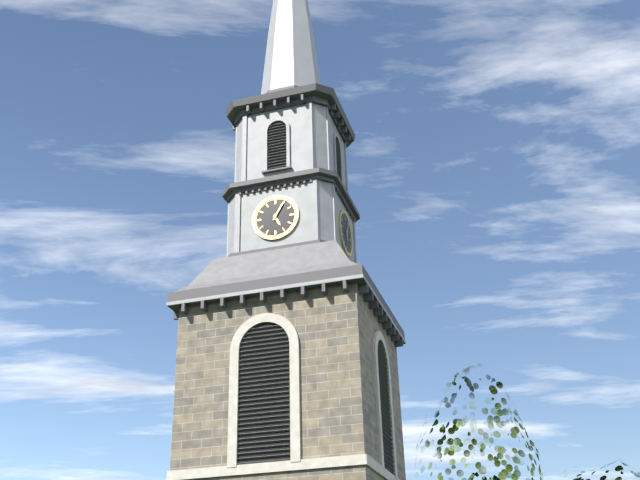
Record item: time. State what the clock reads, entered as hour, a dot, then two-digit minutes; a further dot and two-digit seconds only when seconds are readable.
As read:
5.05
